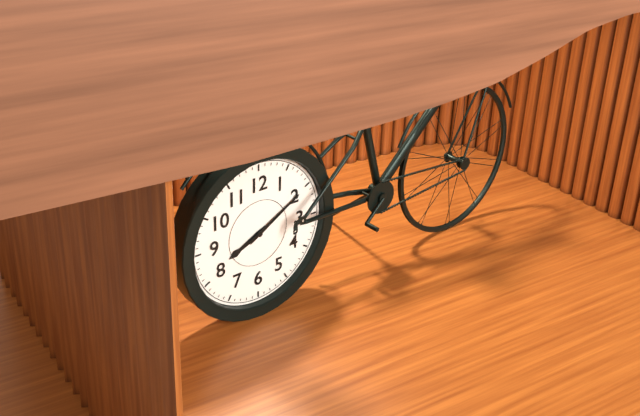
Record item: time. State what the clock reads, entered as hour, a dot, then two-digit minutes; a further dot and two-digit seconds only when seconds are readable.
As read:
8.10
